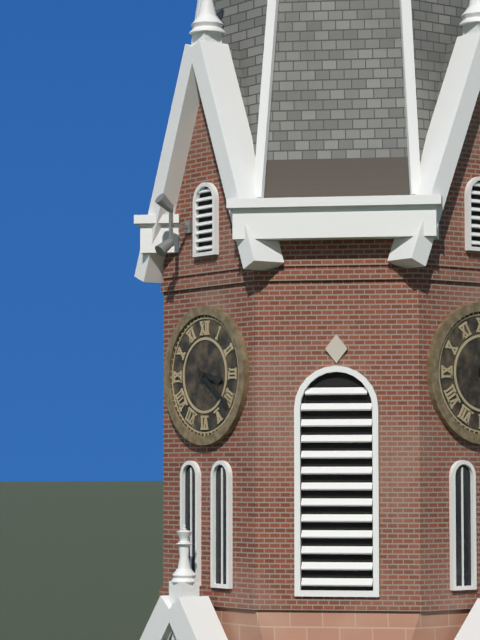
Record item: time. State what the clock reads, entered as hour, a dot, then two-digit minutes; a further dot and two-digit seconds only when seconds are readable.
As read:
3.21
